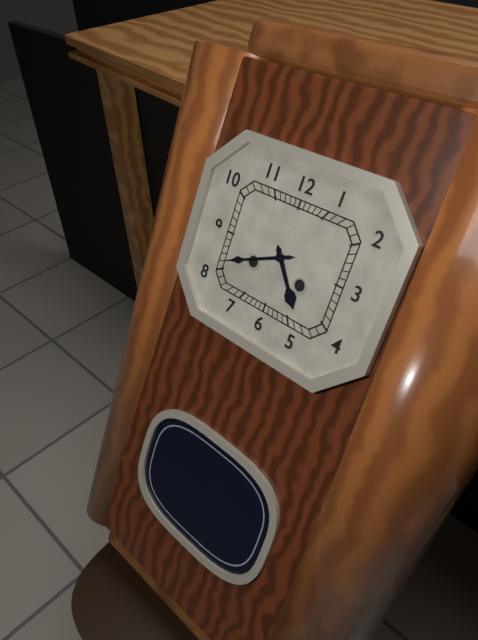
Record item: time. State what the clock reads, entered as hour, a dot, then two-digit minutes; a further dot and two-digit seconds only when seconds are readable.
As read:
4.41
